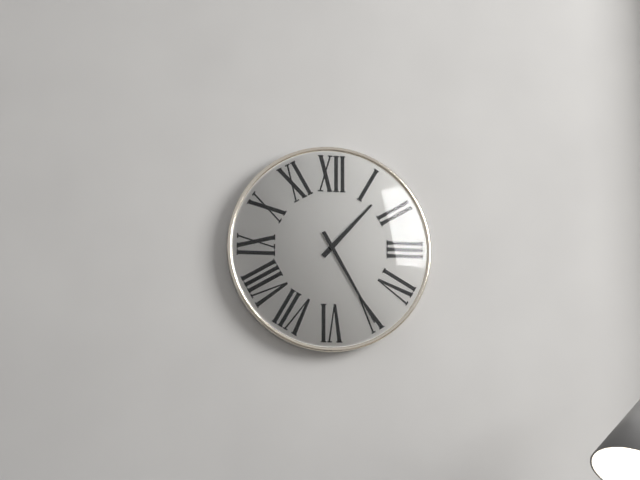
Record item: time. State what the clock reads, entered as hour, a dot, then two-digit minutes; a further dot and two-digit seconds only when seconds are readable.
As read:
1.25
